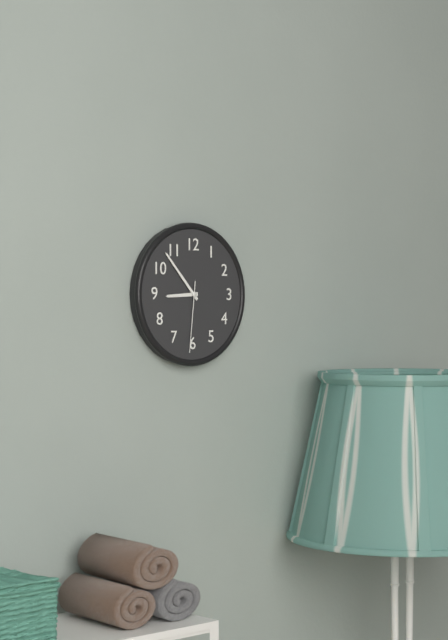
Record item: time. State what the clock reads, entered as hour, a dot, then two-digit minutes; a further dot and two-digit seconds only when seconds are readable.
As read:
8.53.31
